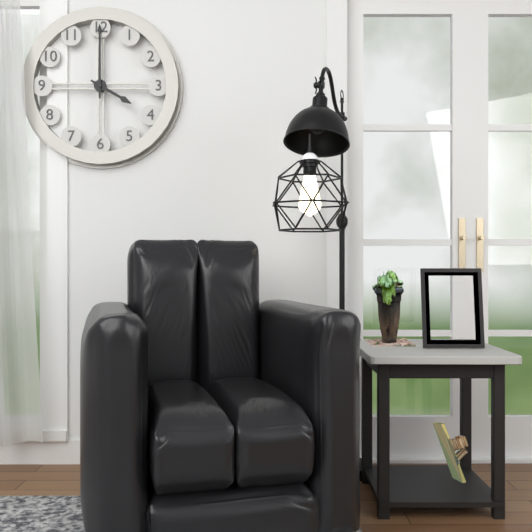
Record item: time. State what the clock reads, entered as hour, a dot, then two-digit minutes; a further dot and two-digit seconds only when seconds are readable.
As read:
4.00
